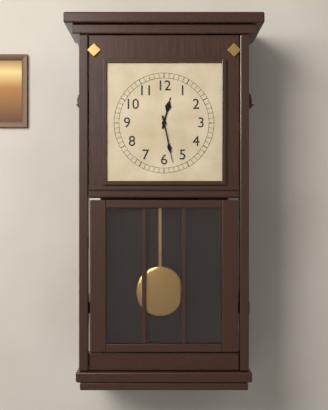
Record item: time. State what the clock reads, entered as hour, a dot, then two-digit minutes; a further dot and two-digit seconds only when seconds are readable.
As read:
12.28
